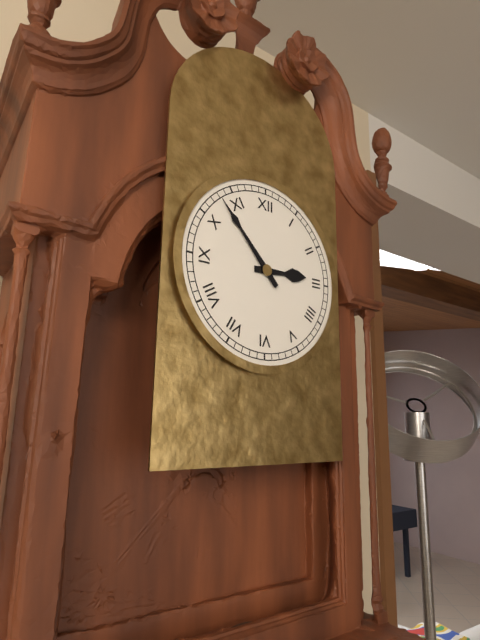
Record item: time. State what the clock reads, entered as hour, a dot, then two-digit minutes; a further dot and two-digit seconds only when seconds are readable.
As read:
2.53
